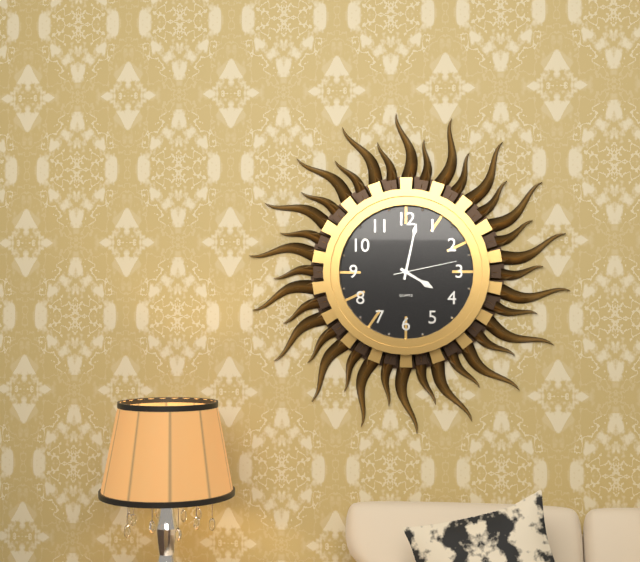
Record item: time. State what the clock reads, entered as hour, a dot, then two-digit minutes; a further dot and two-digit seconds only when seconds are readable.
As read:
4.02.13
